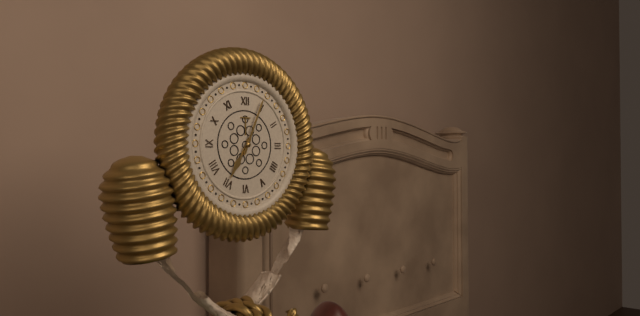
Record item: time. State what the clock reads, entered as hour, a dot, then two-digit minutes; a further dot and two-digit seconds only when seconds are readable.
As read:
7.04
